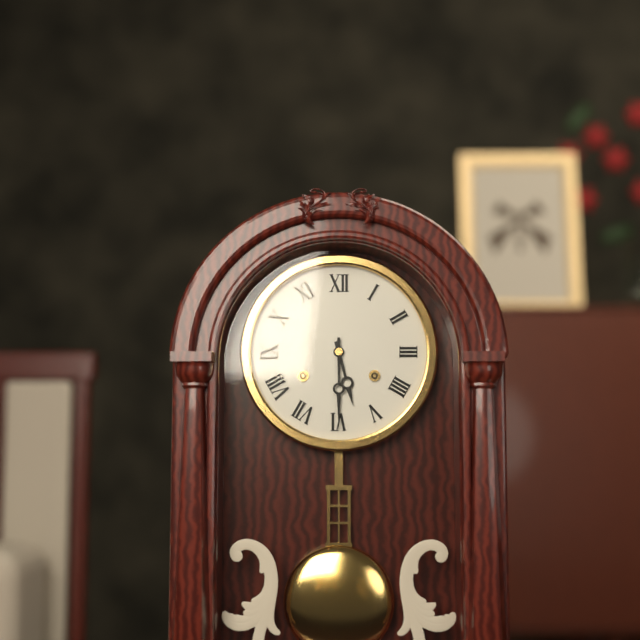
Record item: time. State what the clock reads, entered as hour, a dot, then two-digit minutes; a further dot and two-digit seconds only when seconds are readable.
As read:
5.30
